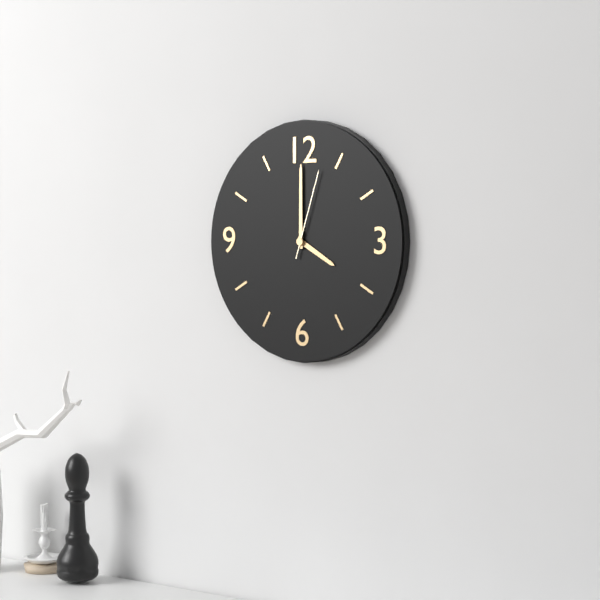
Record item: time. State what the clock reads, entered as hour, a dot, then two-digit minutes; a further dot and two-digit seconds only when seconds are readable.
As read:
4.00.03
